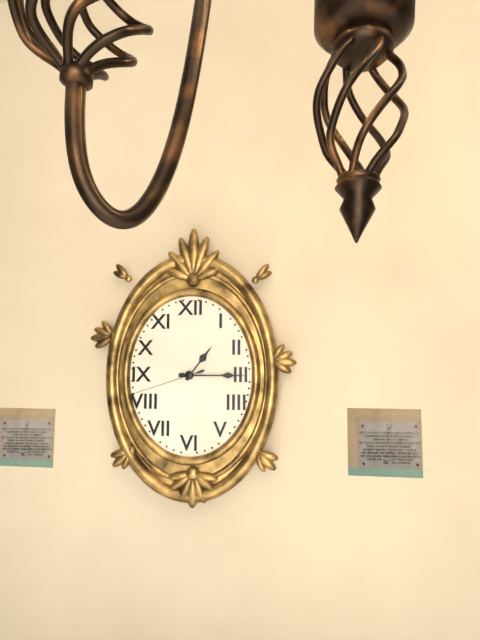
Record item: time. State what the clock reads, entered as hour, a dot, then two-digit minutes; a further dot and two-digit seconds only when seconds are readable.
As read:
1.15.42
